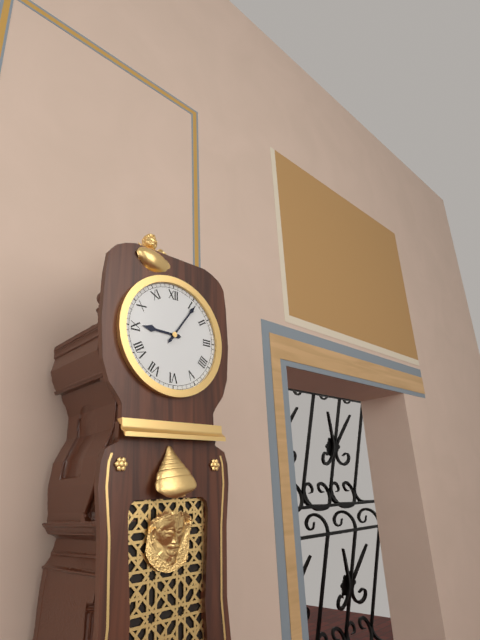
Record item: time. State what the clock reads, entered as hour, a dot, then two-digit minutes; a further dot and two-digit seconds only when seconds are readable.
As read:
9.06
